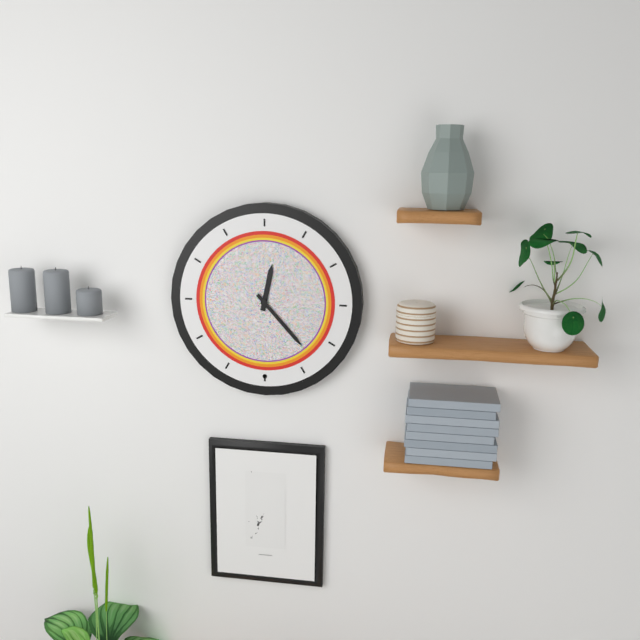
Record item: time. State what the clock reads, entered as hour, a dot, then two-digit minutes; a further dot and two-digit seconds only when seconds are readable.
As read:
12.23
